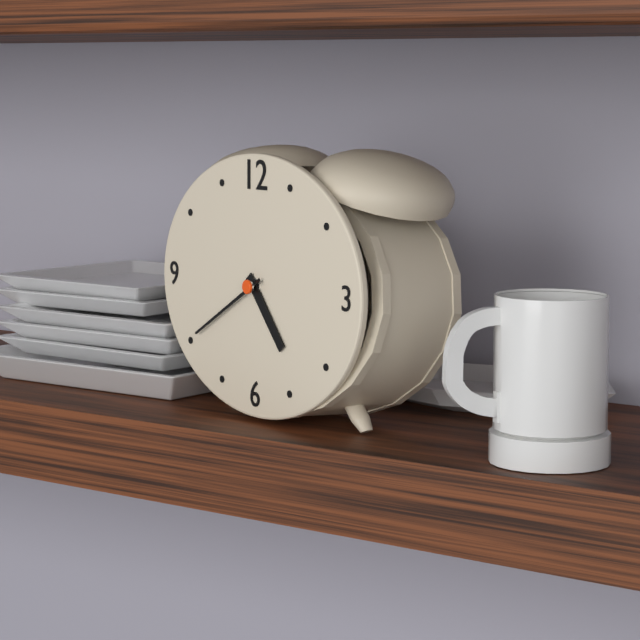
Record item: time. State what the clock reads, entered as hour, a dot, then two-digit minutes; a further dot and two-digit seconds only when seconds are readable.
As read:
4.40
